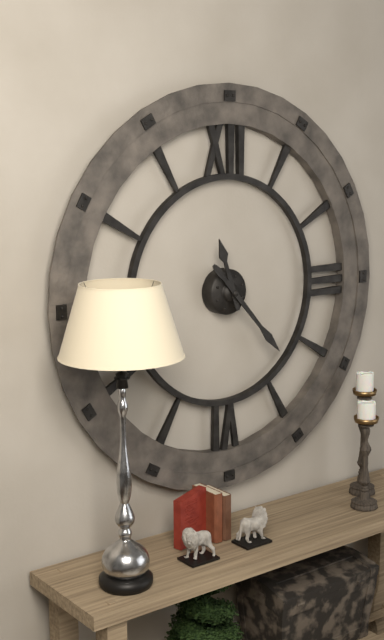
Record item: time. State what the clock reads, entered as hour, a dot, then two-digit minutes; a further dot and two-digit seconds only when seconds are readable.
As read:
11.23
